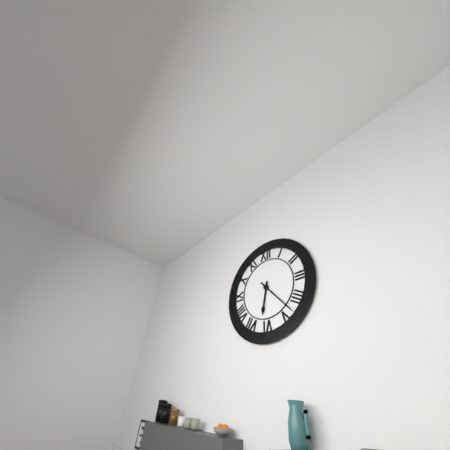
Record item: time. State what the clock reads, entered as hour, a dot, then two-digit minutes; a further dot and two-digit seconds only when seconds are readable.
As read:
6.23
